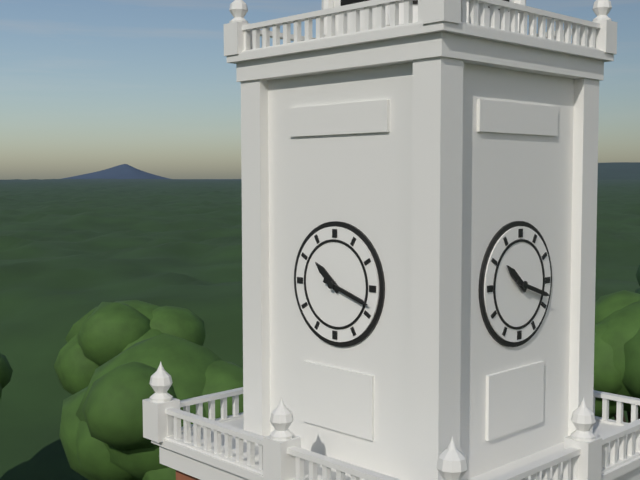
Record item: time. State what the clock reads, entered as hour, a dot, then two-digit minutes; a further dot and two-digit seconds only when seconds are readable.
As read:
10.18
